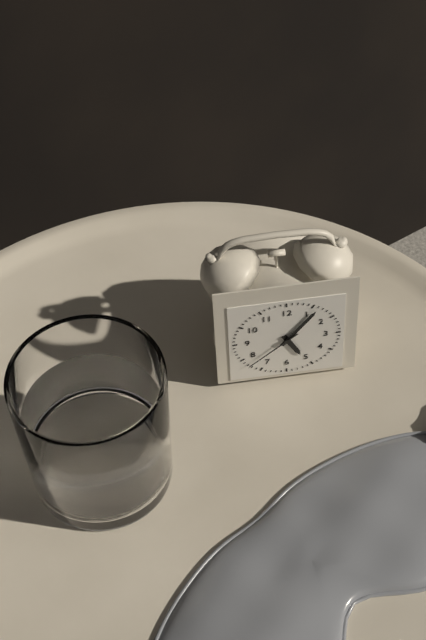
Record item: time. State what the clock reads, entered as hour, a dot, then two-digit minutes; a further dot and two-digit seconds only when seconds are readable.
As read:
5.06.38
